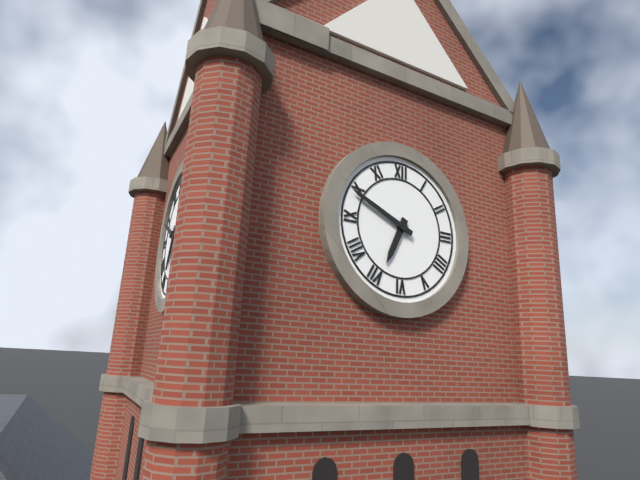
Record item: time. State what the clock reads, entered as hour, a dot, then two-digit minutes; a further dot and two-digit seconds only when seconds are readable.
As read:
6.49
